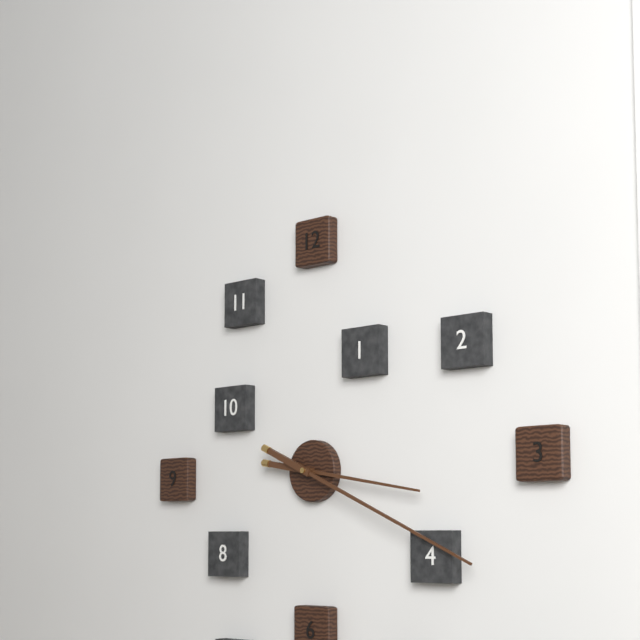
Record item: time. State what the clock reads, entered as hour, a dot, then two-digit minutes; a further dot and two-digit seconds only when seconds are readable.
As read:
3.19
